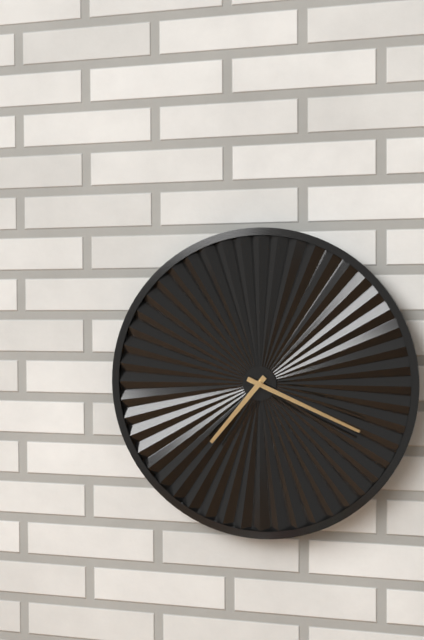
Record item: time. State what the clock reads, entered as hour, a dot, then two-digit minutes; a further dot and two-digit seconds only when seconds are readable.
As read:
7.19
